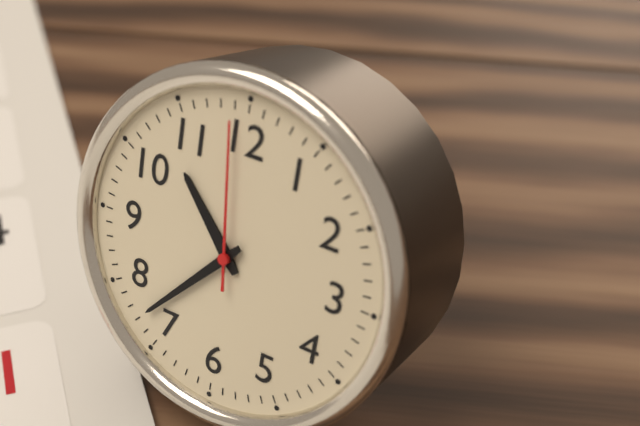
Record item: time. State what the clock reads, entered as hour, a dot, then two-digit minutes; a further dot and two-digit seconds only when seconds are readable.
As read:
10.37.59
